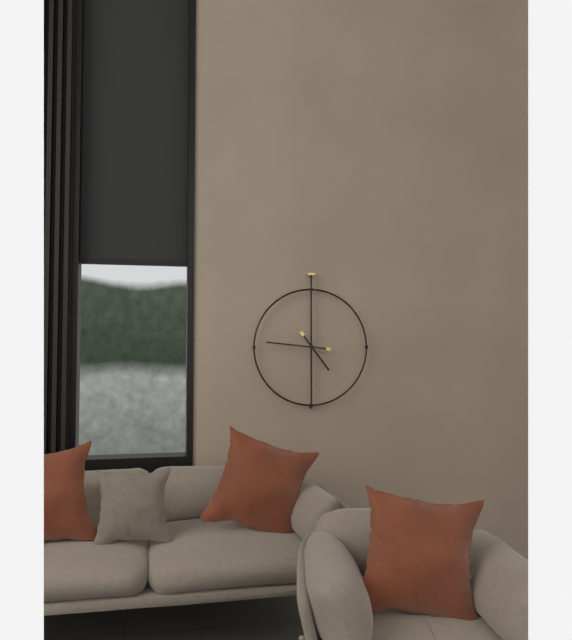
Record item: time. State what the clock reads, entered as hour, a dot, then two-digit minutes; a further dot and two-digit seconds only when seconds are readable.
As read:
4.46
